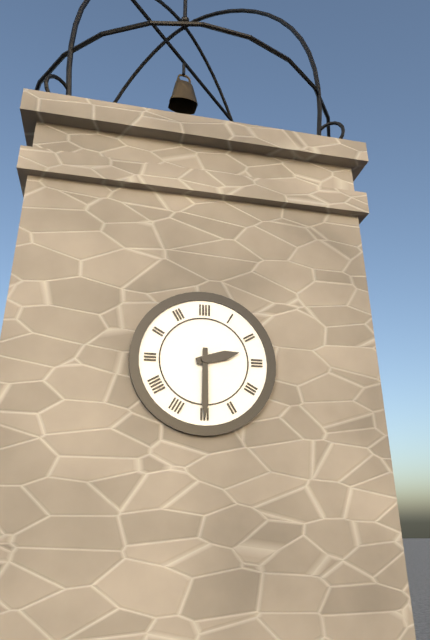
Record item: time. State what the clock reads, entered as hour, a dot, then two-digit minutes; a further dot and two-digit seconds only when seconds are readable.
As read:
2.30
